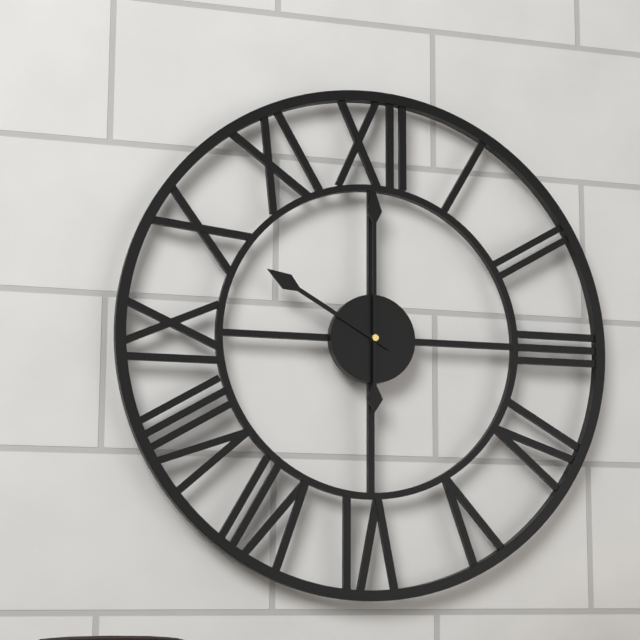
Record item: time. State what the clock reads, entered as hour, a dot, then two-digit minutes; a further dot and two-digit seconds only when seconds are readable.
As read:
10.00
